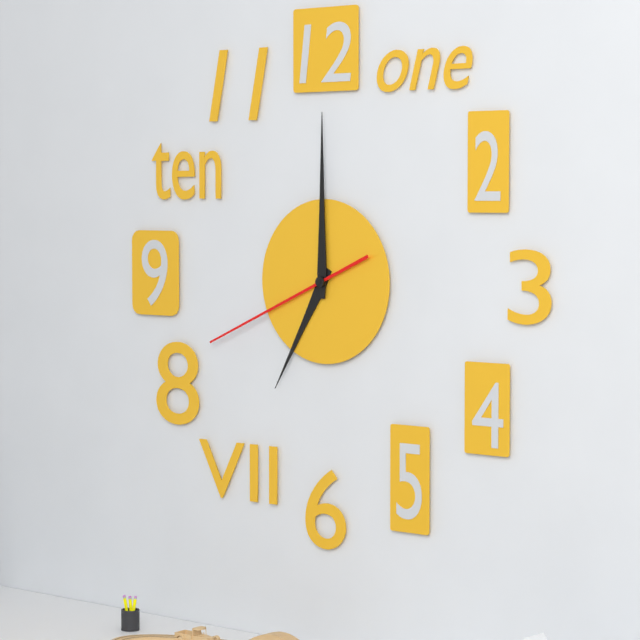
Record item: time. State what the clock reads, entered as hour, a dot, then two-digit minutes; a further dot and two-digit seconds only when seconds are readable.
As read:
7.00.41
